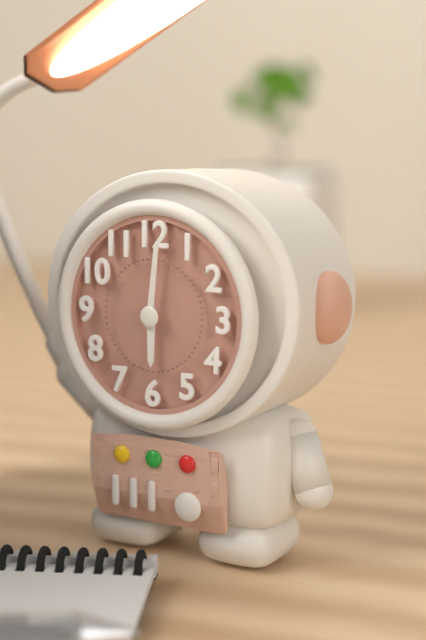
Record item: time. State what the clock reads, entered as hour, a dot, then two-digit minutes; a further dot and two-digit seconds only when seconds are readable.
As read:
6.01
